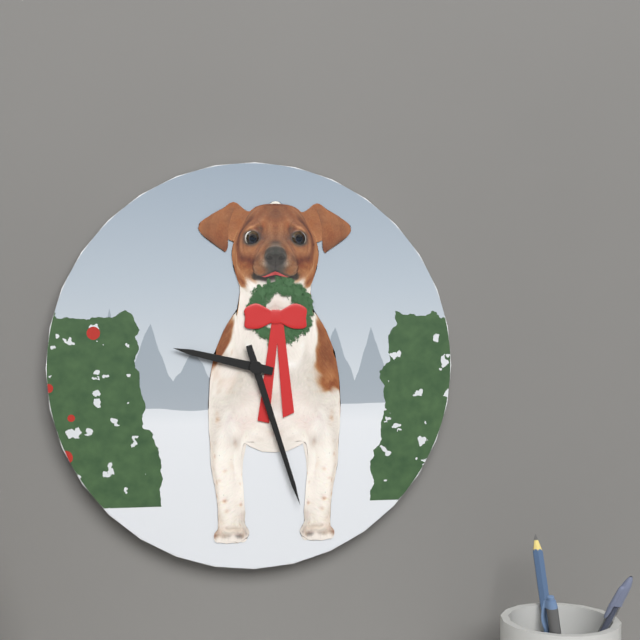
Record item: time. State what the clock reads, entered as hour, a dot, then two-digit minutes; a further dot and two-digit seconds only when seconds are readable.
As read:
9.27
